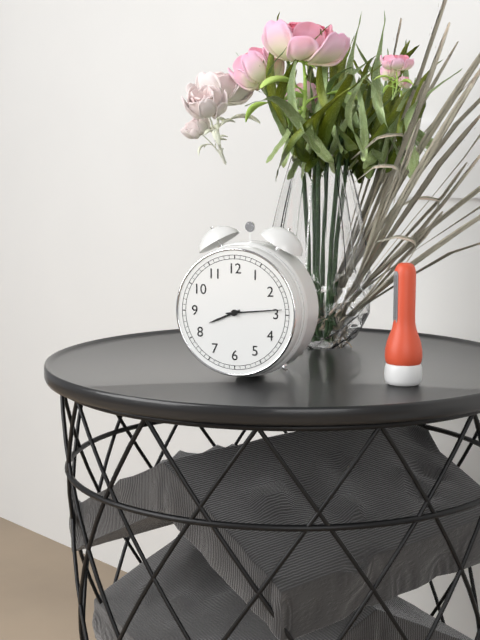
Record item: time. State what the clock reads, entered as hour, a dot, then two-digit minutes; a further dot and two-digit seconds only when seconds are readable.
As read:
8.14
